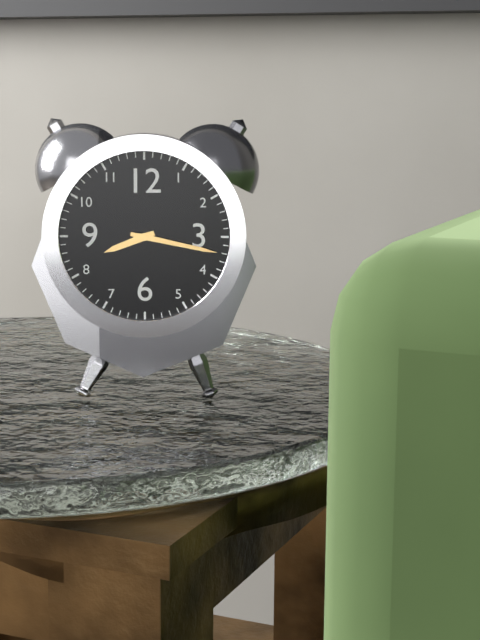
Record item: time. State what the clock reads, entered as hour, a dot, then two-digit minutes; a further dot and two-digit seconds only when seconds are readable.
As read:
8.17
